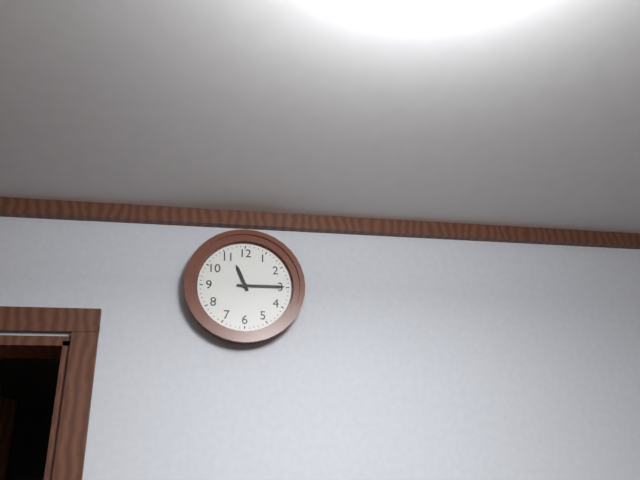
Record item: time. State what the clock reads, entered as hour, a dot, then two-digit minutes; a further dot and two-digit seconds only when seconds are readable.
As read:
11.15
